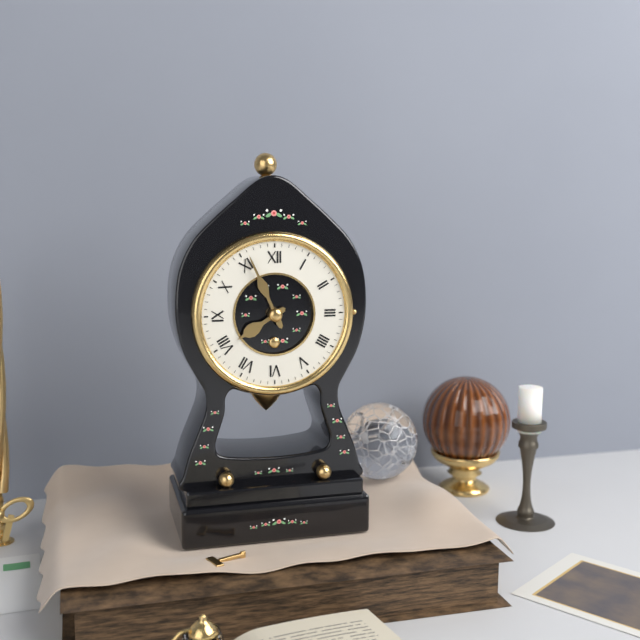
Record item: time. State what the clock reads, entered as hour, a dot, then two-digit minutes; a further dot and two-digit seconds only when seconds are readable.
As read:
7.56
